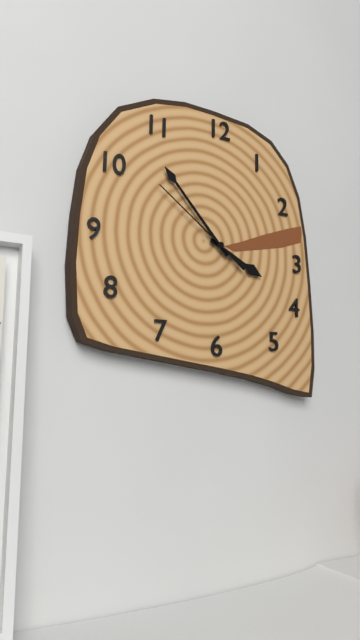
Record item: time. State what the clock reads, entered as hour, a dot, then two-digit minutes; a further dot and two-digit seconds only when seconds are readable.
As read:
3.53.51
